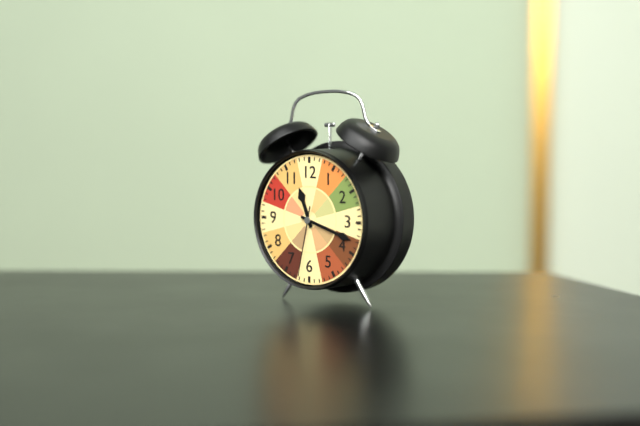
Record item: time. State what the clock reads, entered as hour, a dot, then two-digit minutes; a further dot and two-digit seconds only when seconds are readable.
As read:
11.18.32
